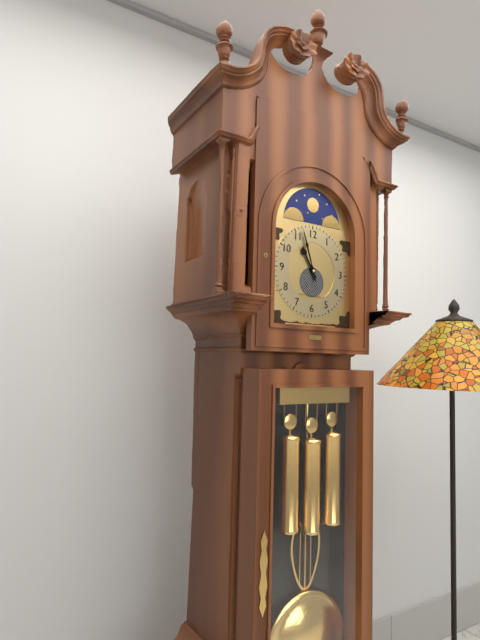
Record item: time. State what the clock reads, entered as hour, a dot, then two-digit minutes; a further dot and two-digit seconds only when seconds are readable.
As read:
10.57
